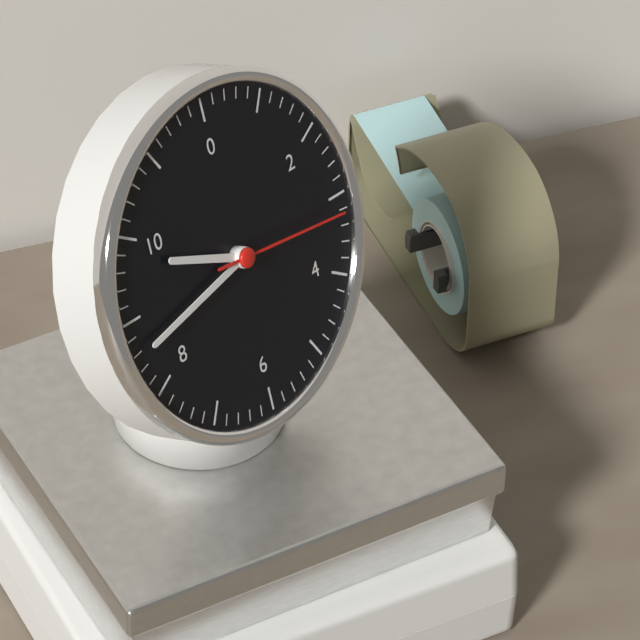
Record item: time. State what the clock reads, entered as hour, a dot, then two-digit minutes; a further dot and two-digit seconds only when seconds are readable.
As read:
9.43.16
